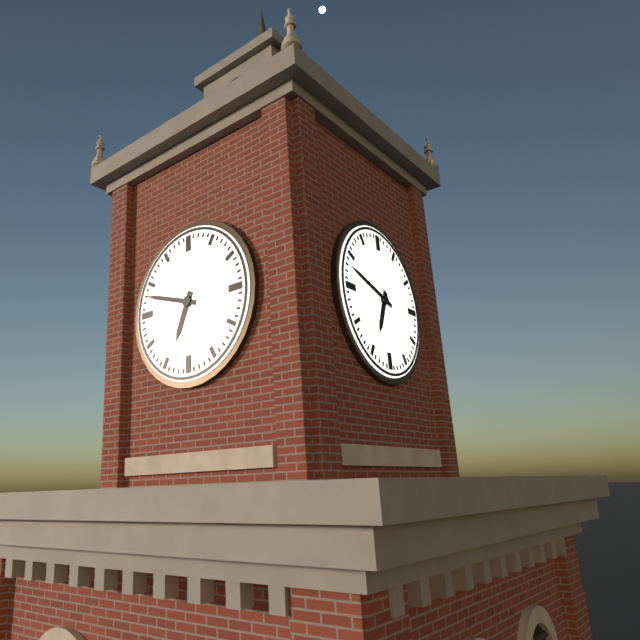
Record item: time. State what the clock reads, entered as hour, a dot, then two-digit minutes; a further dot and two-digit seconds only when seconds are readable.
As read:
6.48
